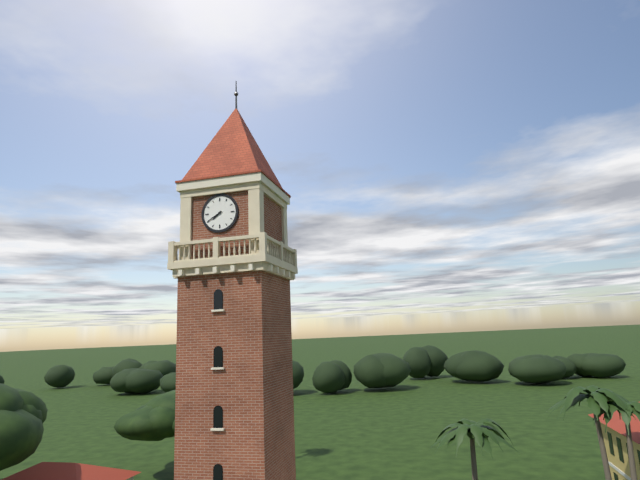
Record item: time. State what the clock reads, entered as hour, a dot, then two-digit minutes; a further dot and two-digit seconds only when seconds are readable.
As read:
7.40
